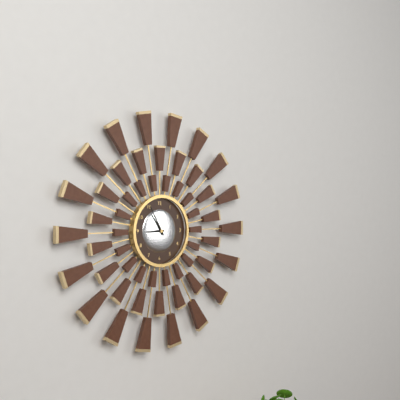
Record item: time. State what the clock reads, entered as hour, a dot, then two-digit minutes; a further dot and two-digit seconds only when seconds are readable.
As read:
8.55
